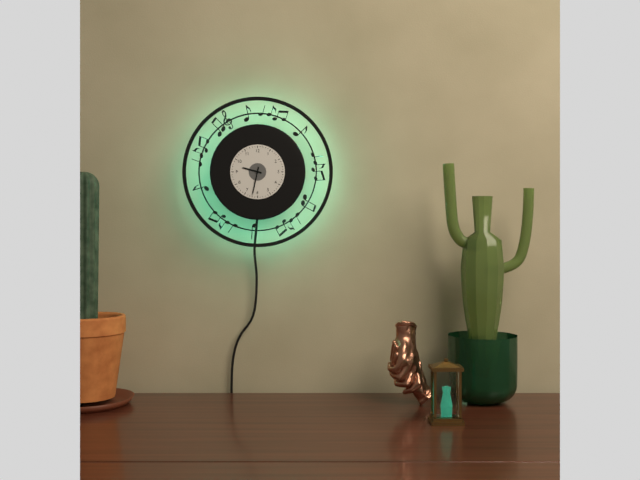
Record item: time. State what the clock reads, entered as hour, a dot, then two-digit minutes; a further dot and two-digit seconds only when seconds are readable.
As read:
9.32
